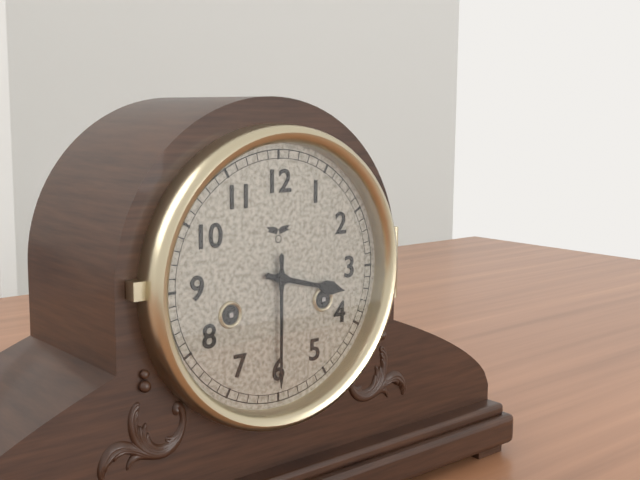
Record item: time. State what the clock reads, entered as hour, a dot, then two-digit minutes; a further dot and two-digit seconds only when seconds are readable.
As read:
3.30
